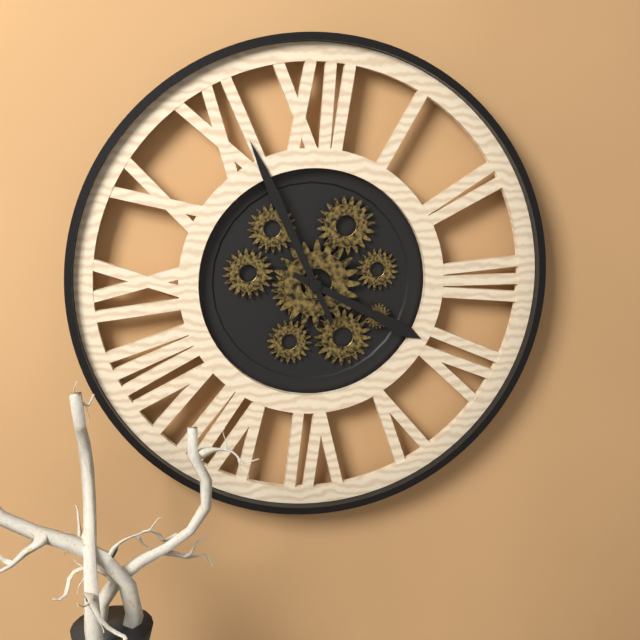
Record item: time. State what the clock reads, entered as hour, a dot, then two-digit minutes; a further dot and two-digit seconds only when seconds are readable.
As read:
3.56
